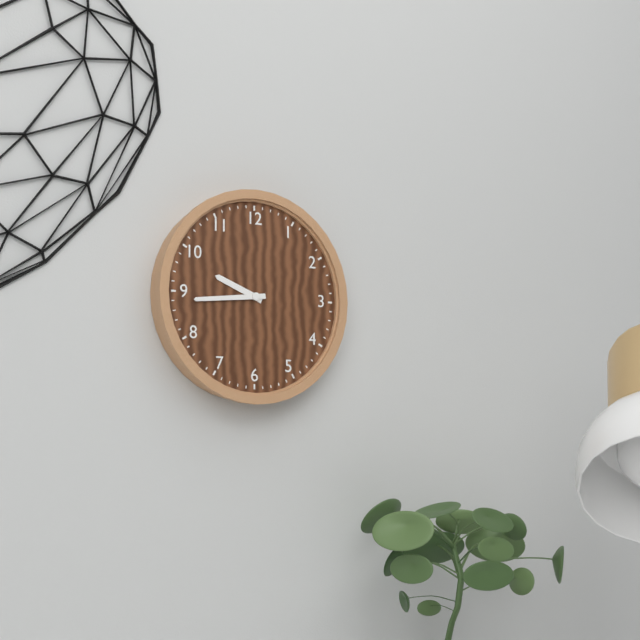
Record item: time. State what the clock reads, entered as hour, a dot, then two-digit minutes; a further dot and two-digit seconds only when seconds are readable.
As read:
9.44
